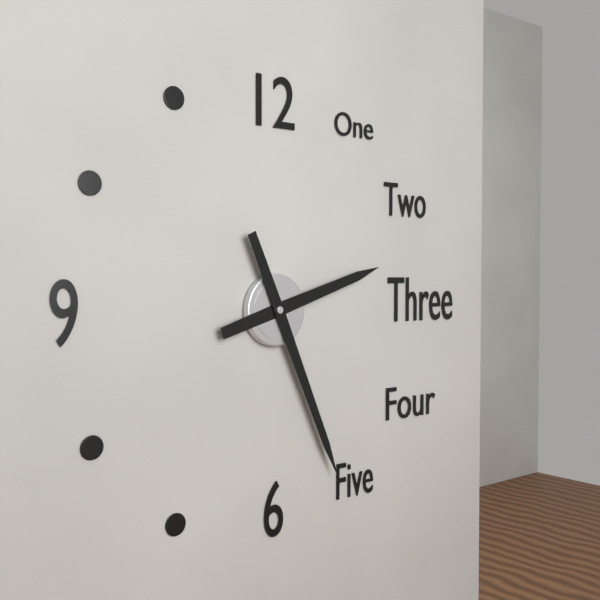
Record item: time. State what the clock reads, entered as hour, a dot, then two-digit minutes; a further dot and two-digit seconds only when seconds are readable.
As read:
2.26
